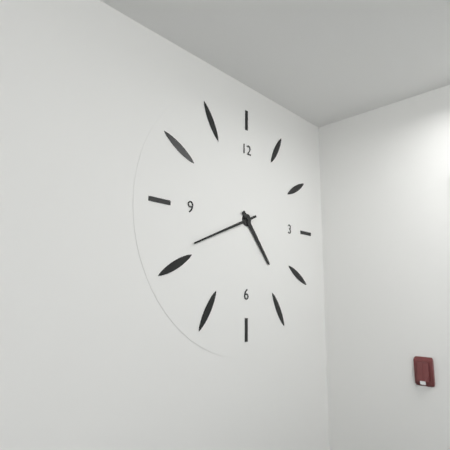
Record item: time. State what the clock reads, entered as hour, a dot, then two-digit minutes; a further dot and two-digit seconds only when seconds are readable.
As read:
4.41
